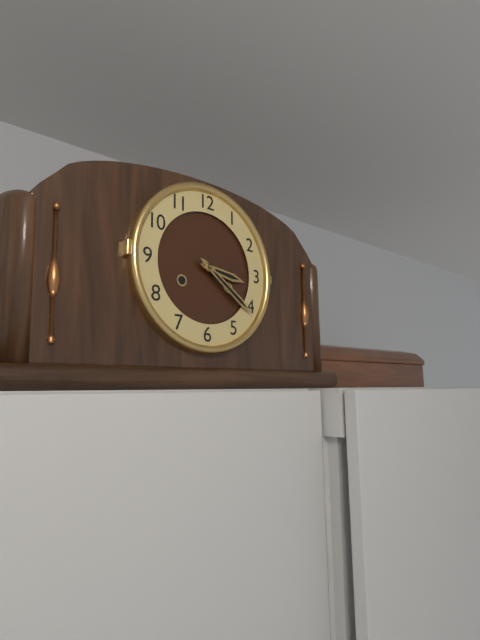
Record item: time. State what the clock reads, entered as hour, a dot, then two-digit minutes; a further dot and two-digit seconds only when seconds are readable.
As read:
3.21
